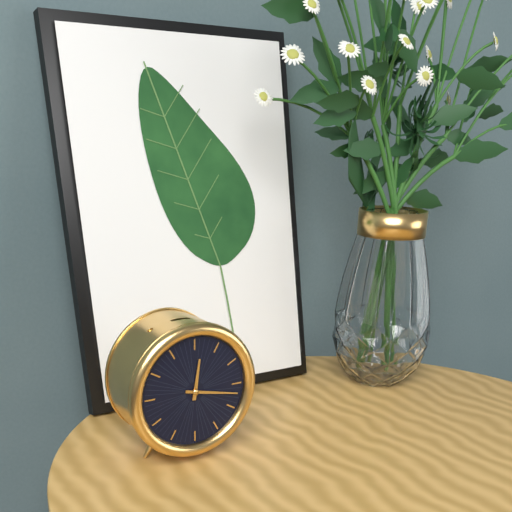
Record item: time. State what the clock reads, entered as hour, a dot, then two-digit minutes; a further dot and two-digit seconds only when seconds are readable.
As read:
12.17
